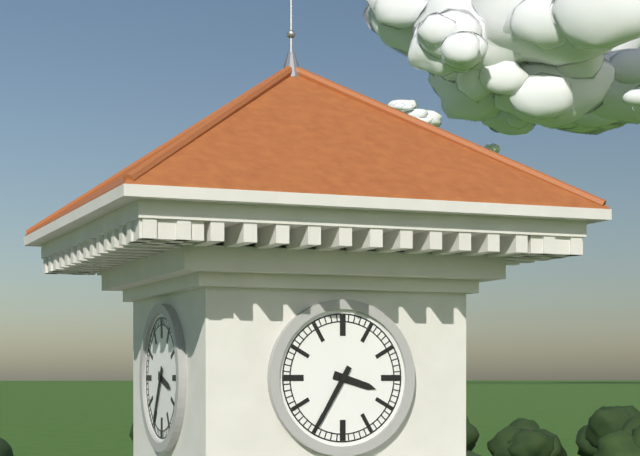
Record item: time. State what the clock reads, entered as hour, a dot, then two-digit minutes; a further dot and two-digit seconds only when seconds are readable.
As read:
3.35
